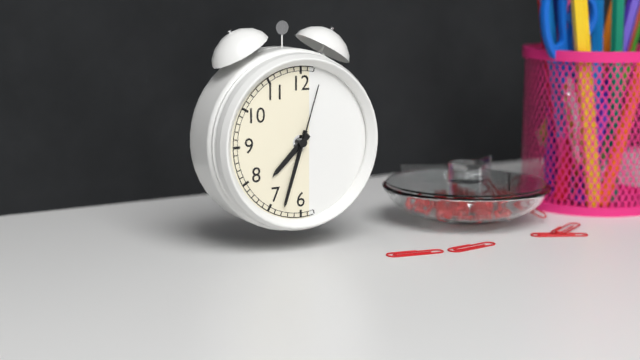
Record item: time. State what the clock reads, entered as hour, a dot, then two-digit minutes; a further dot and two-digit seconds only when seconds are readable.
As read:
7.33.03
